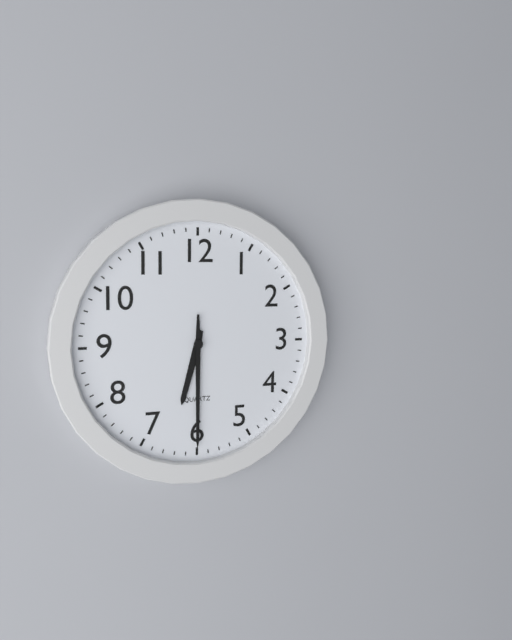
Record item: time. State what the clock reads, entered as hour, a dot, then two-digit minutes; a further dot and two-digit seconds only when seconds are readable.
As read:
6.30
